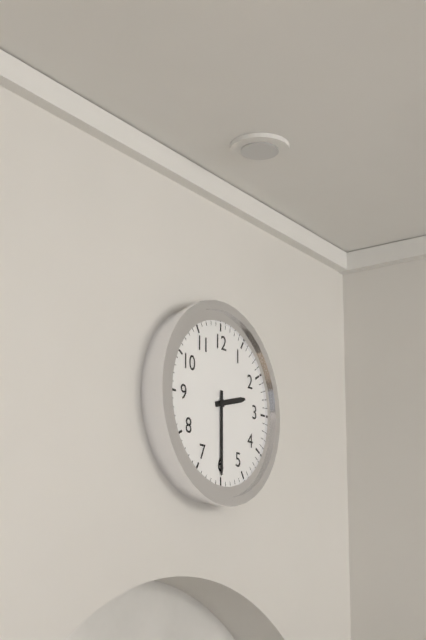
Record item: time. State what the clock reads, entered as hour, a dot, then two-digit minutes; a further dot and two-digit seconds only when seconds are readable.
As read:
2.30
